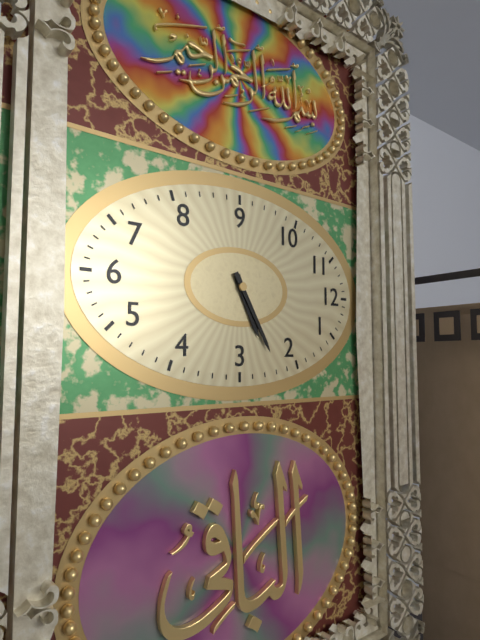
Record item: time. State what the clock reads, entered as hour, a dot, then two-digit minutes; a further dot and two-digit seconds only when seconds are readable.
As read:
2.10
